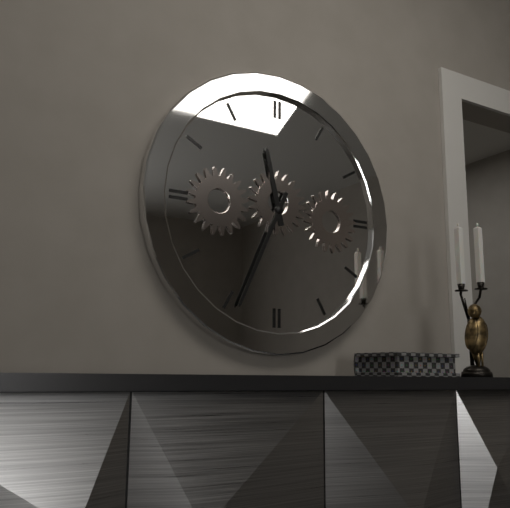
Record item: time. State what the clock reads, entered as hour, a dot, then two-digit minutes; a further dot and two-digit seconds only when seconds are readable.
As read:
11.34
